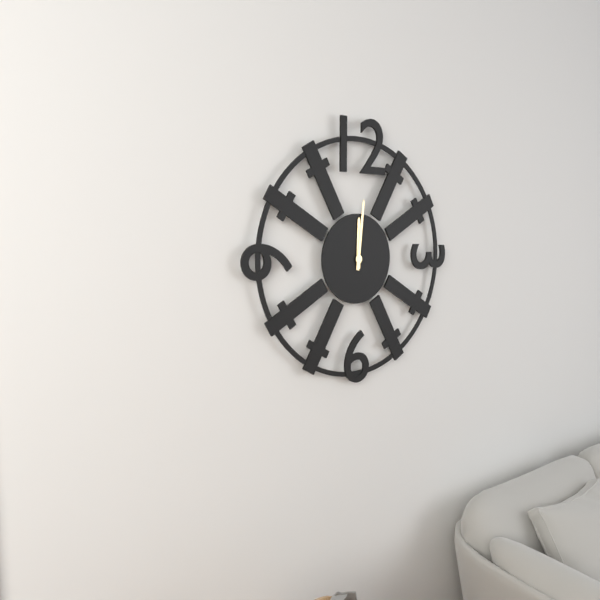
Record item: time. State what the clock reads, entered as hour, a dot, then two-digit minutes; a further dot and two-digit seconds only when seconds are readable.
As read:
12.01
